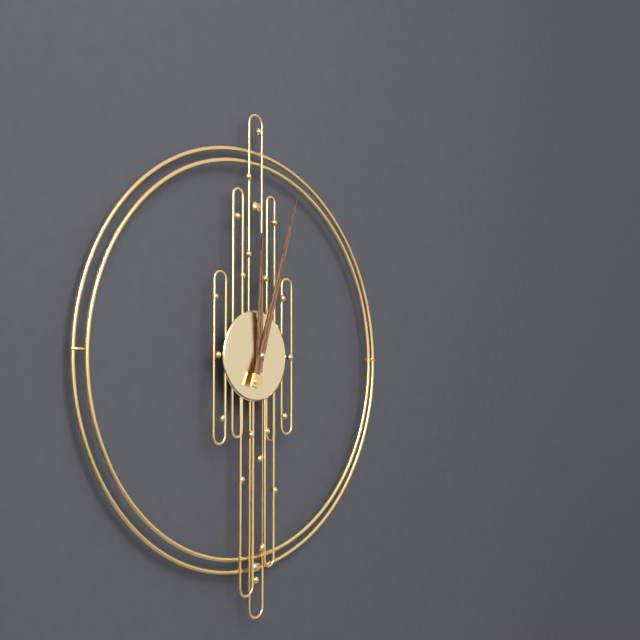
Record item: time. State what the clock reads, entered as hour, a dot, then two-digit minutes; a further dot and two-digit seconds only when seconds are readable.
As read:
12.03
